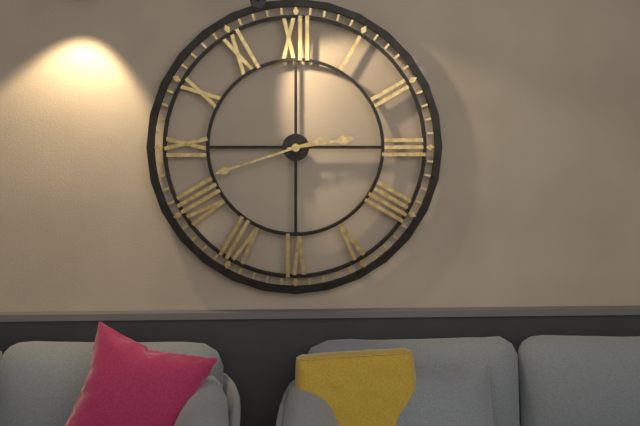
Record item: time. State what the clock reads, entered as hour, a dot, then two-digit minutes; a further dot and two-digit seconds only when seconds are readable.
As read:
2.42
